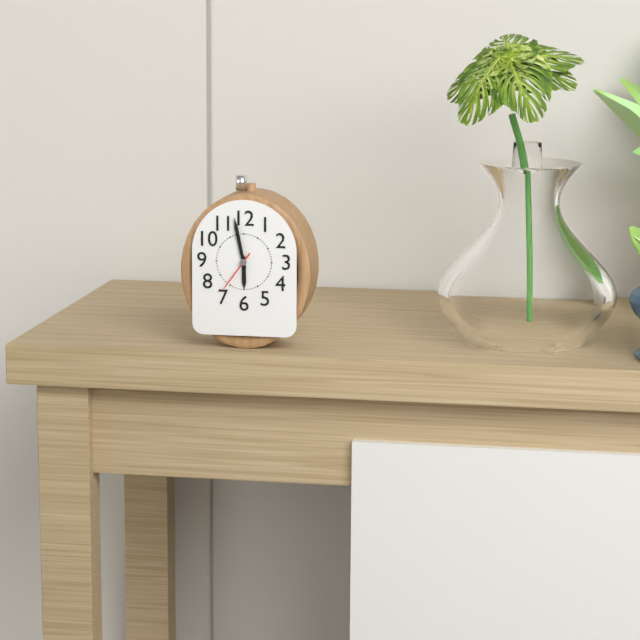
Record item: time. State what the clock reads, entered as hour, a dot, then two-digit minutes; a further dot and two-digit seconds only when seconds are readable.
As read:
5.58
